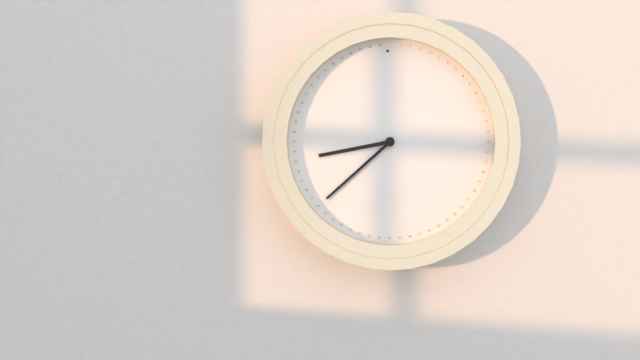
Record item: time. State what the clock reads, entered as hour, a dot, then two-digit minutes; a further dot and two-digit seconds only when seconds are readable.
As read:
8.38
